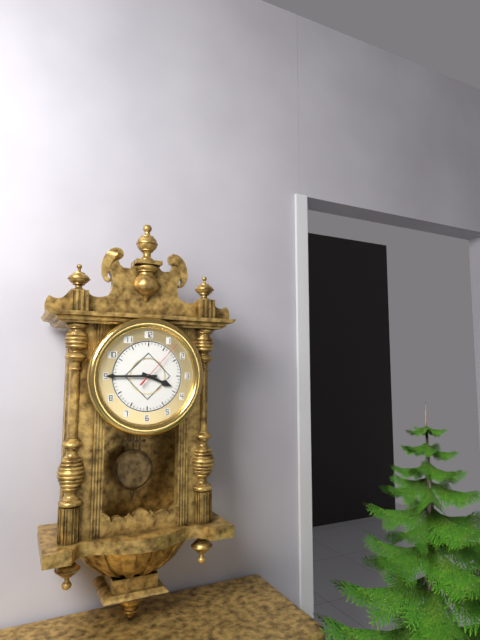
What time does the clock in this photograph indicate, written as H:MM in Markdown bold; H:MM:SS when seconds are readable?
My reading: **3:45:07**
